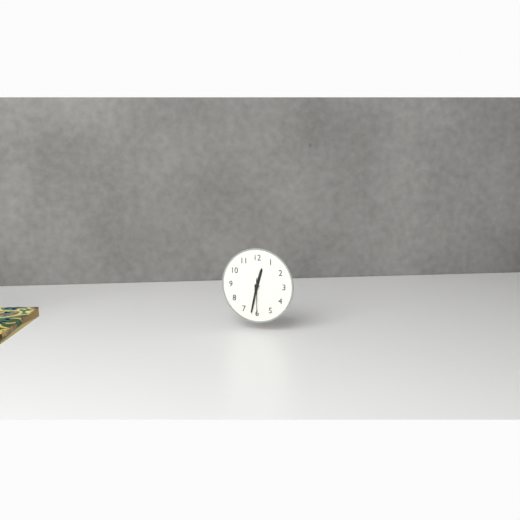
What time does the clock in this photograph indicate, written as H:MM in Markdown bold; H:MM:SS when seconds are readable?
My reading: **12:32**
